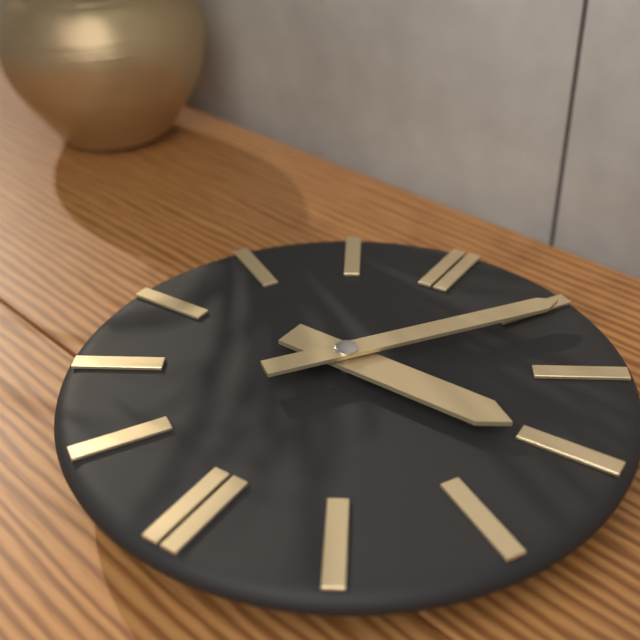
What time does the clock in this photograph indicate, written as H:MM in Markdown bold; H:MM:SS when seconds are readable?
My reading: **3:06**
